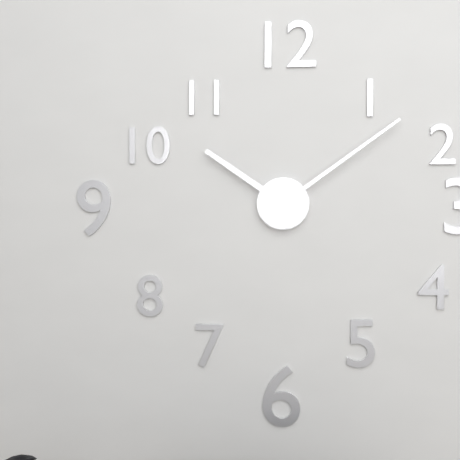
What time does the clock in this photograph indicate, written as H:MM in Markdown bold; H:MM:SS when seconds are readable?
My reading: **10:09**
